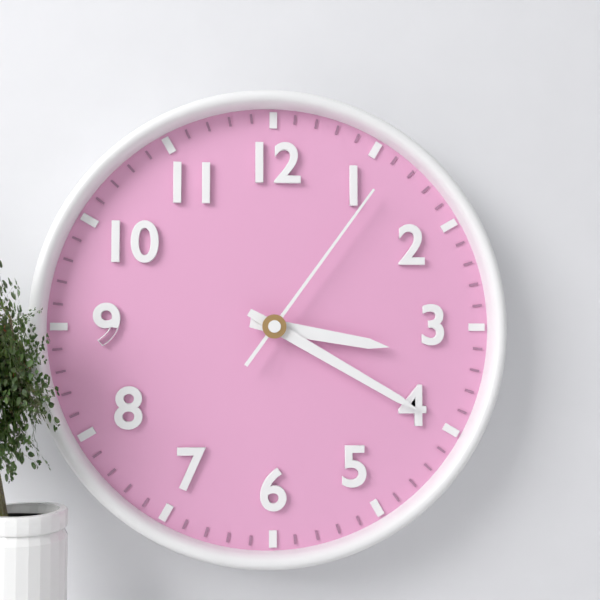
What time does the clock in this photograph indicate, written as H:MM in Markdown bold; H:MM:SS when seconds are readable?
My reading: **3:20:06**
